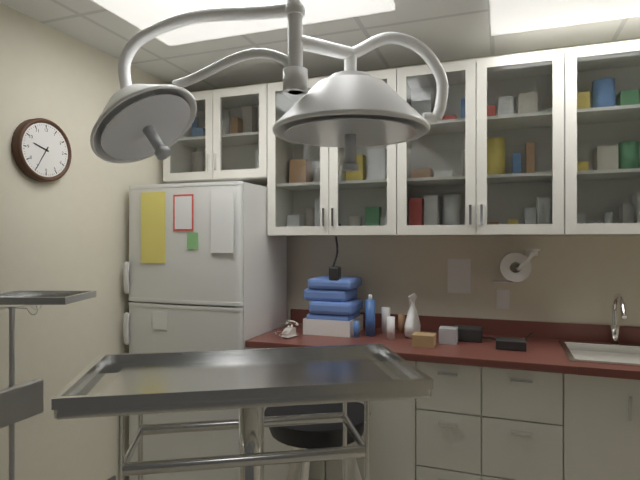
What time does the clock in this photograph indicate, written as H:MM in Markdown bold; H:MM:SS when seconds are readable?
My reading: **9:35**
